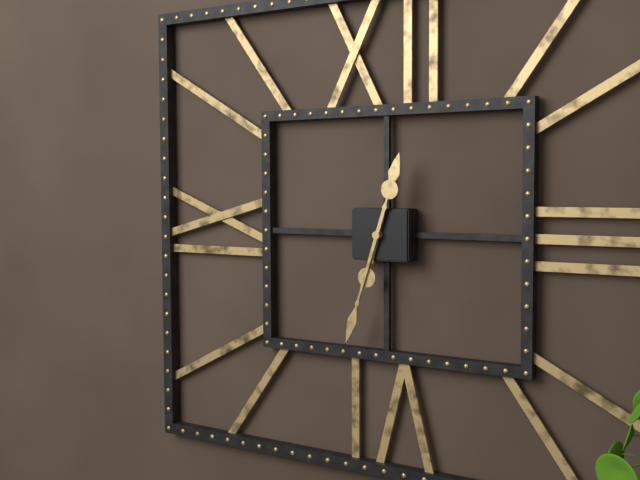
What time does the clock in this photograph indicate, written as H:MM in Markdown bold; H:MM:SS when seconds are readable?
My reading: **12:33**
